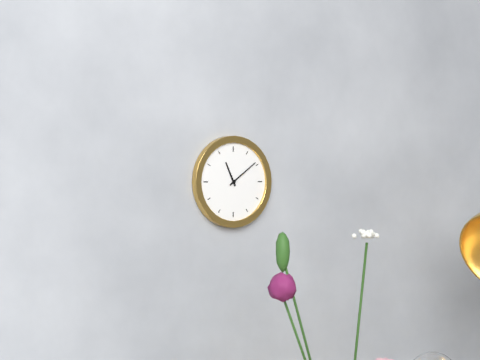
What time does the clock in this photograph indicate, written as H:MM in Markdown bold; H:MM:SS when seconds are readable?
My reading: **11:09**
